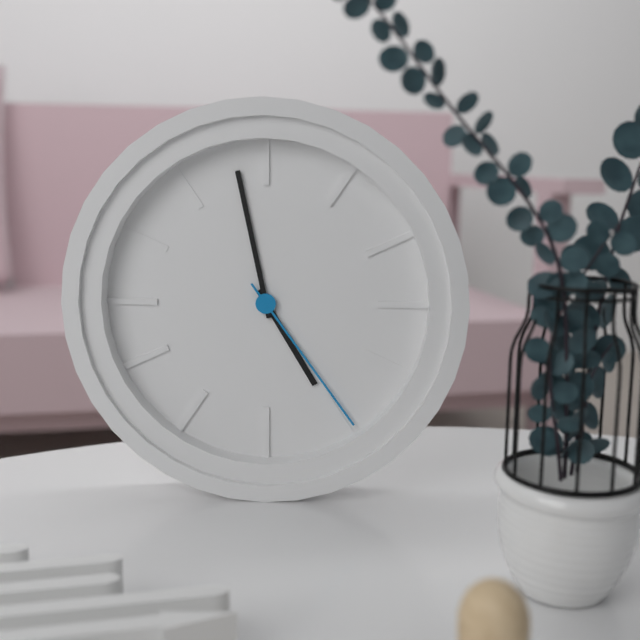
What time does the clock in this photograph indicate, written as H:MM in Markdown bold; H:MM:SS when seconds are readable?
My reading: **4:58:24**
